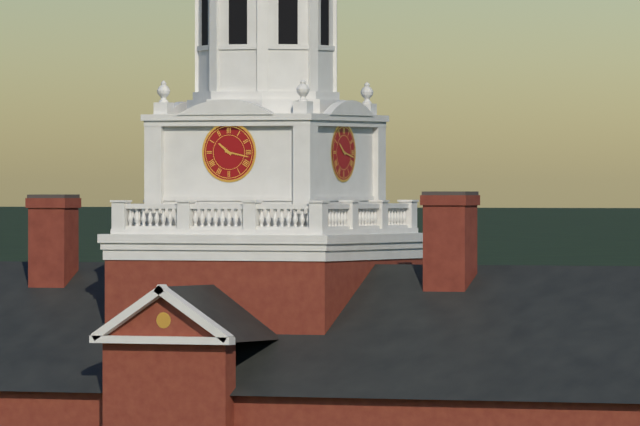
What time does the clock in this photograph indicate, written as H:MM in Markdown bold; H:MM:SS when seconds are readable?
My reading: **10:17**
